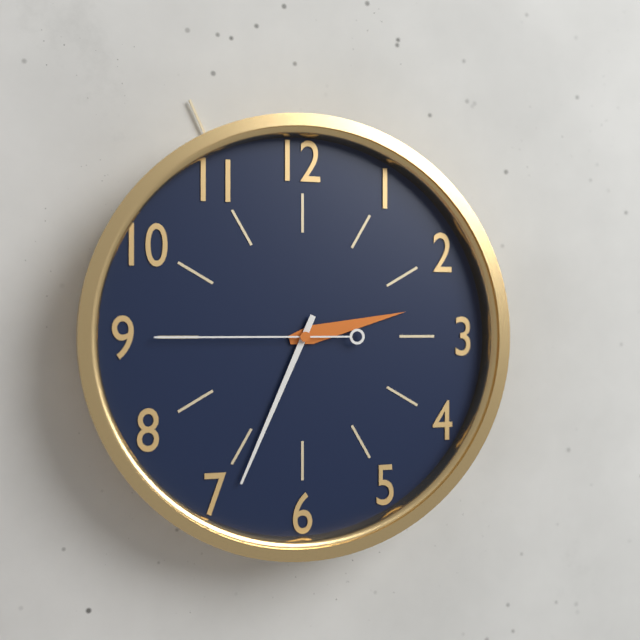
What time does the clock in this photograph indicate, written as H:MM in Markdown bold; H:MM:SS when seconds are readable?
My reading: **2:34:45**
